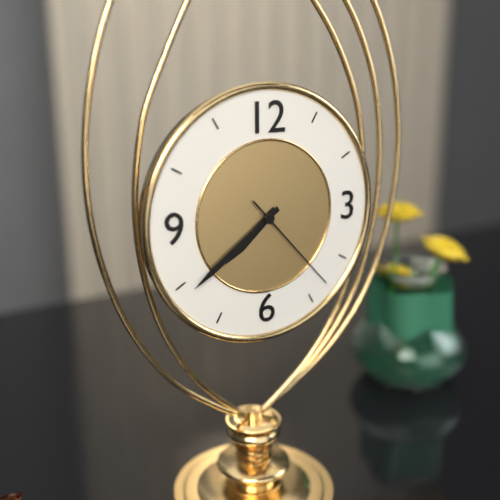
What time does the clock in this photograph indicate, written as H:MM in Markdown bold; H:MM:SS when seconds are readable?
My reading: **7:39:23**
